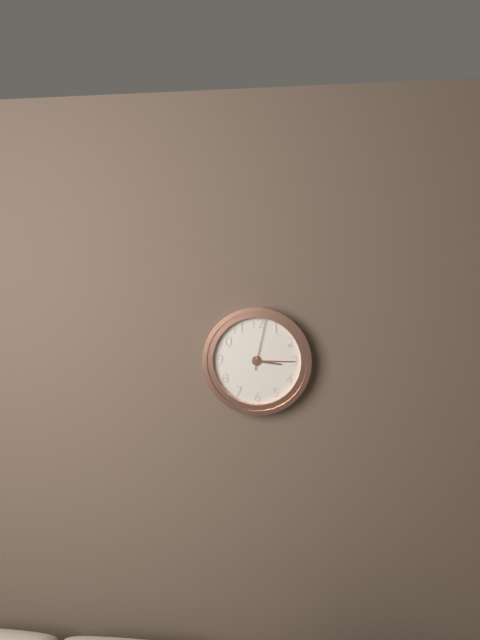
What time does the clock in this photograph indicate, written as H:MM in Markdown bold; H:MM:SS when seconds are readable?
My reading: **3:15:02**
